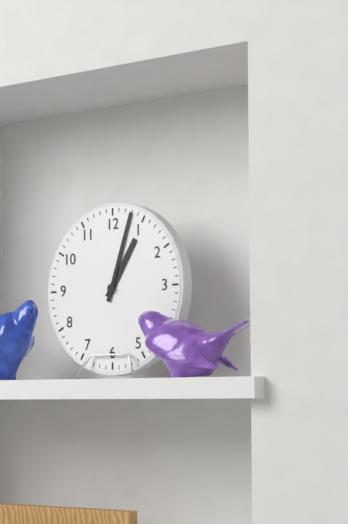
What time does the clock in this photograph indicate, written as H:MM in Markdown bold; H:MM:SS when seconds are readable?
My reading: **1:03**
